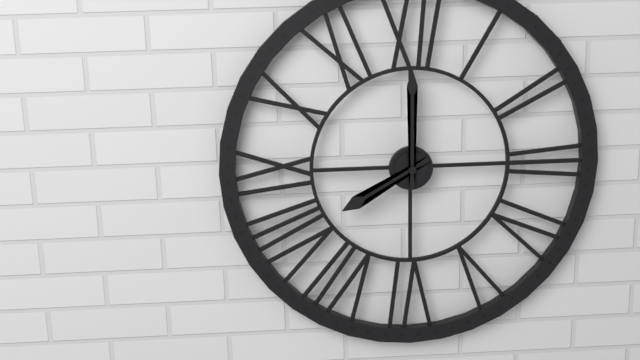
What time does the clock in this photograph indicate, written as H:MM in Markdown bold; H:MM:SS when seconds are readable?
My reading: **8:00**
